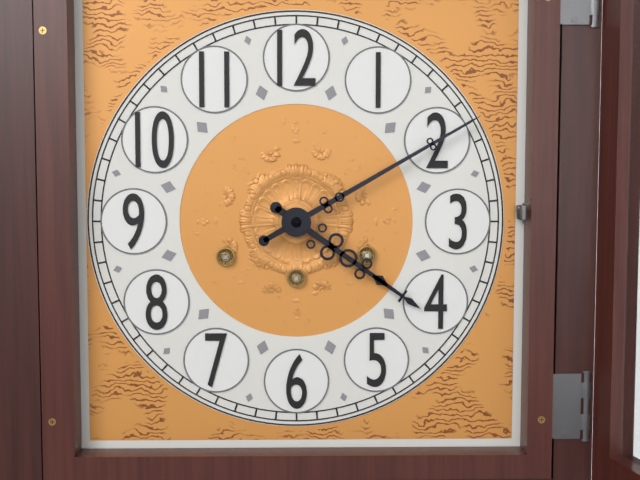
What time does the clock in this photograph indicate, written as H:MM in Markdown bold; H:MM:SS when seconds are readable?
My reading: **4:10**
